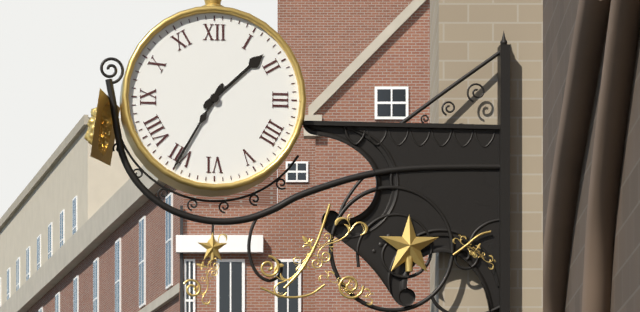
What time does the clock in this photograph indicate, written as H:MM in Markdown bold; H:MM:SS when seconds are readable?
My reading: **1:35**
